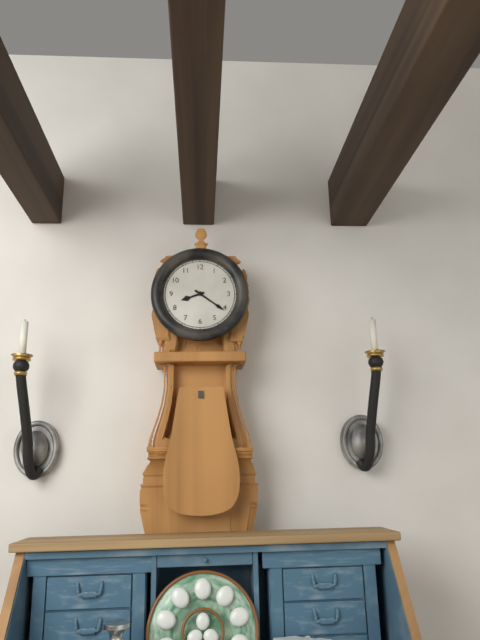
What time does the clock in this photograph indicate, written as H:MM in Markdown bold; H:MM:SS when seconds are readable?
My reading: **8:21**
